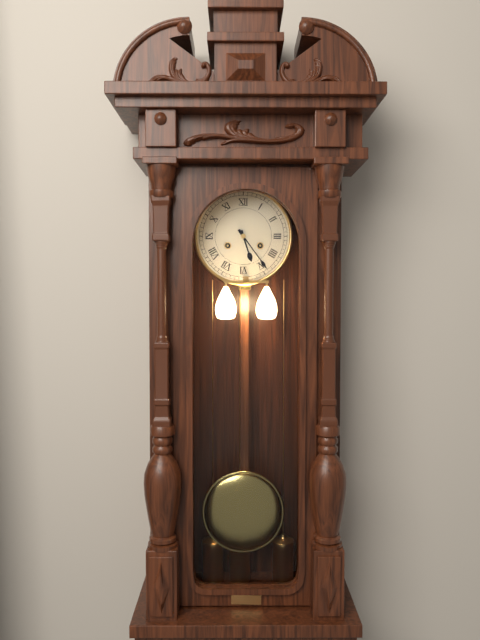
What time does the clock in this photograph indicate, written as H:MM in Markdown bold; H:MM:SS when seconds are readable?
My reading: **5:24**
